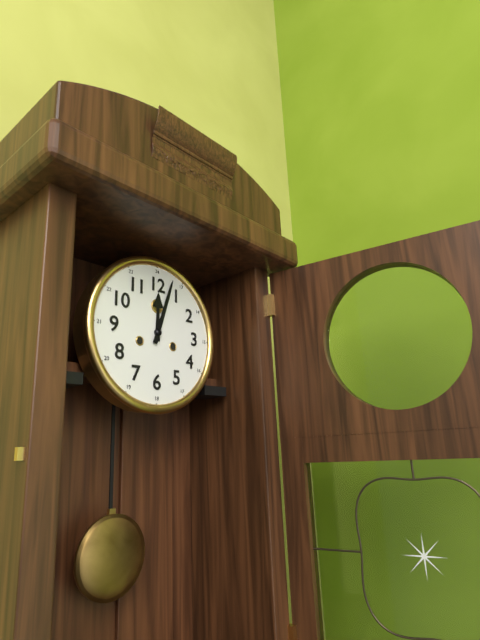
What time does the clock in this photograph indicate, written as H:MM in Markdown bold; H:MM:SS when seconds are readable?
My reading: **12:03**
